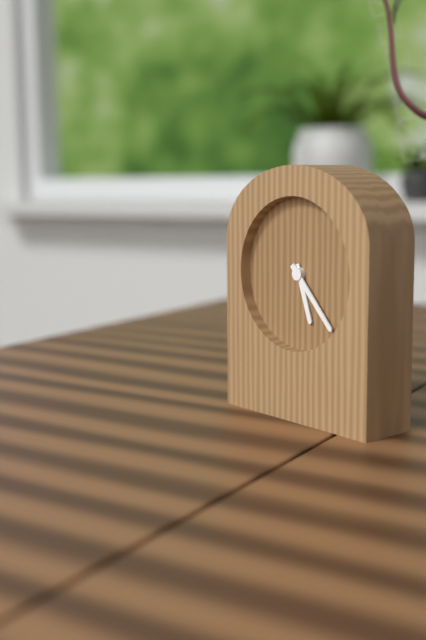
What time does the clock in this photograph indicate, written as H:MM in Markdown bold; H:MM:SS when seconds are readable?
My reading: **5:23**
